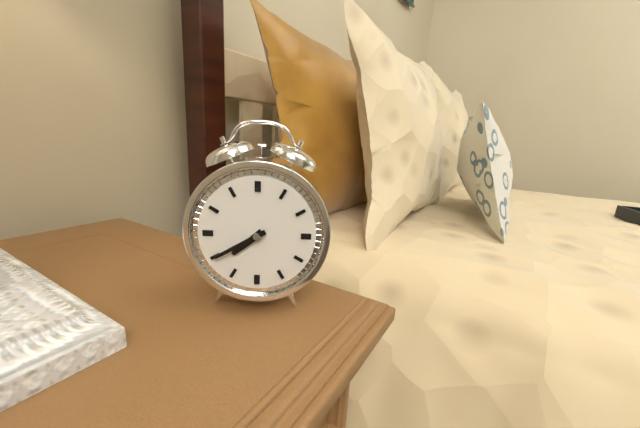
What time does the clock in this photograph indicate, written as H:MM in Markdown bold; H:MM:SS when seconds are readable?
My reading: **7:40**
